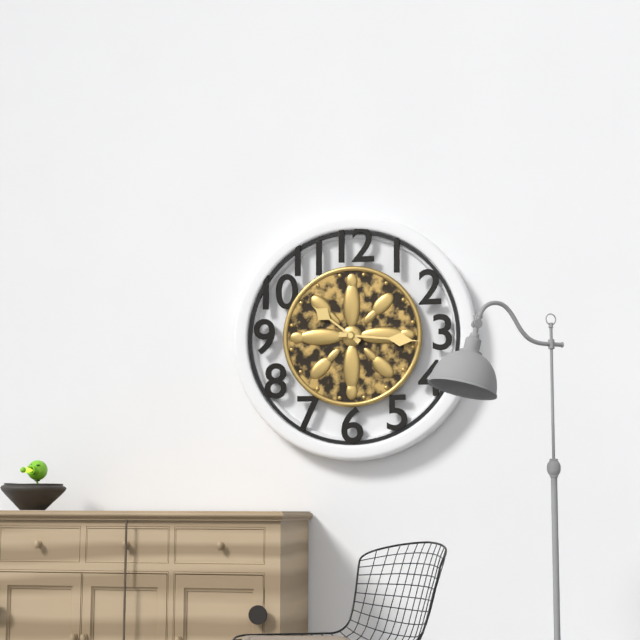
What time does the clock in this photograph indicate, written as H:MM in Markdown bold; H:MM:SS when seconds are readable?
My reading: **10:16**
